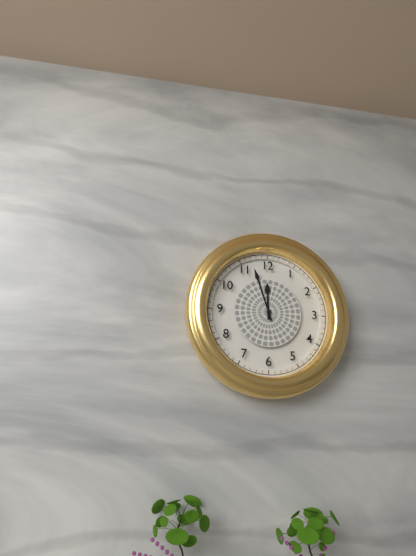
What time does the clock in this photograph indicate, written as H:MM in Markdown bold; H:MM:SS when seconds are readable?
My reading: **11:57**
